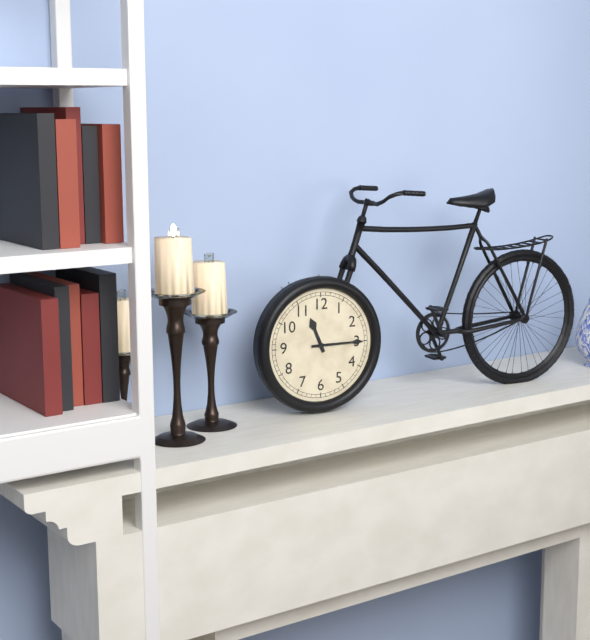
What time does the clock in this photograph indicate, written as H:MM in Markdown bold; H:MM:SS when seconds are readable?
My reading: **11:15**
